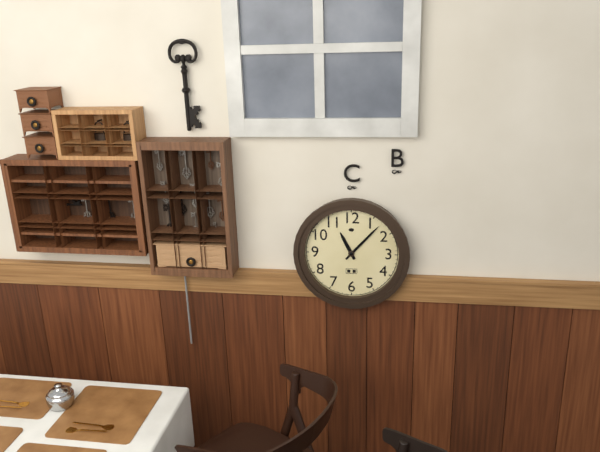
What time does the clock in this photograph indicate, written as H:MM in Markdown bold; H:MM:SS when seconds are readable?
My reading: **11:07**
